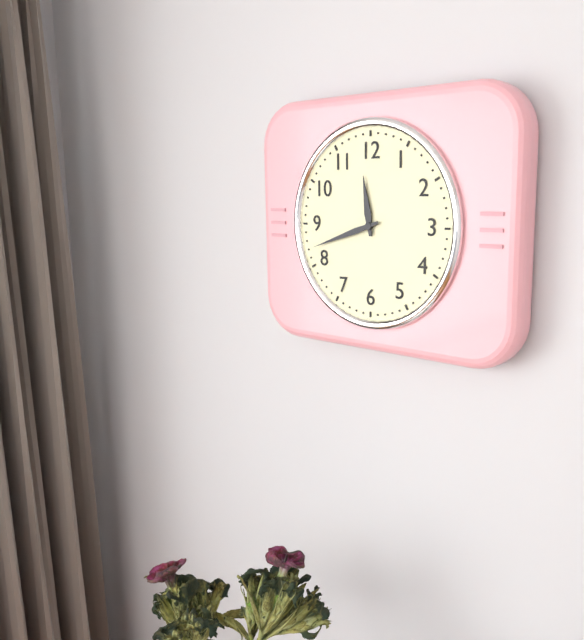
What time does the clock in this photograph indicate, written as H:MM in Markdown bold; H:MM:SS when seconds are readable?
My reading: **11:42**
